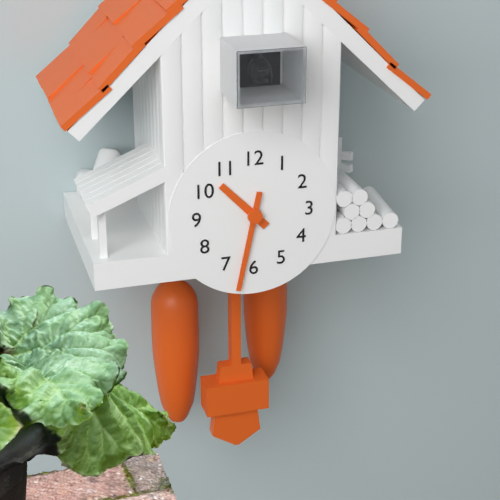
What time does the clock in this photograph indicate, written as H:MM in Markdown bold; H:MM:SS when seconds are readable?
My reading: **10:32**
